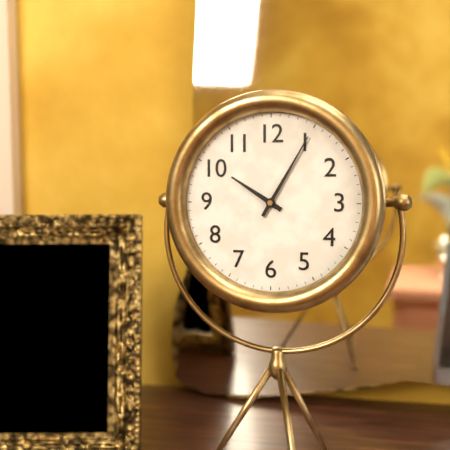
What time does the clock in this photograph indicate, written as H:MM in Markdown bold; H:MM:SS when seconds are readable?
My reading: **10:05**
